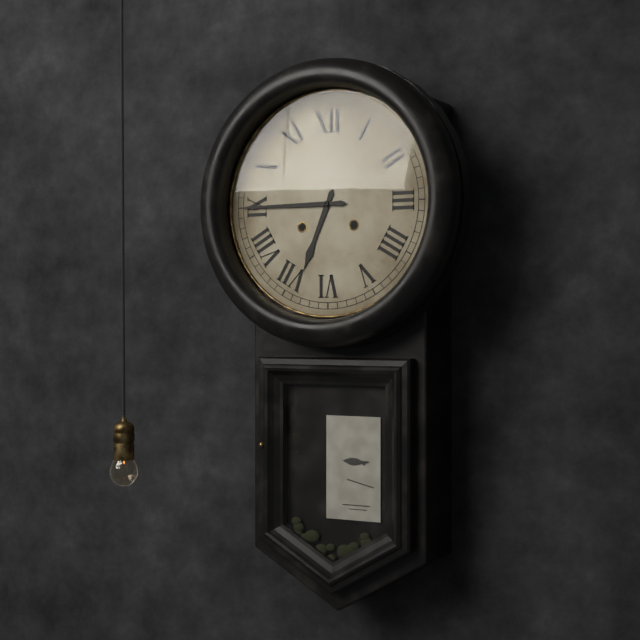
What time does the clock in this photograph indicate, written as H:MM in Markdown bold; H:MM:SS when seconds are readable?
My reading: **6:45**
